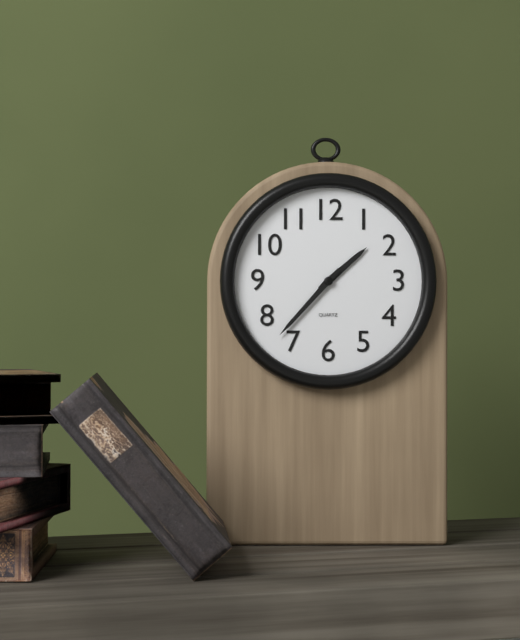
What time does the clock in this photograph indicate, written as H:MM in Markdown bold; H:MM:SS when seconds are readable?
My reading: **1:37**
